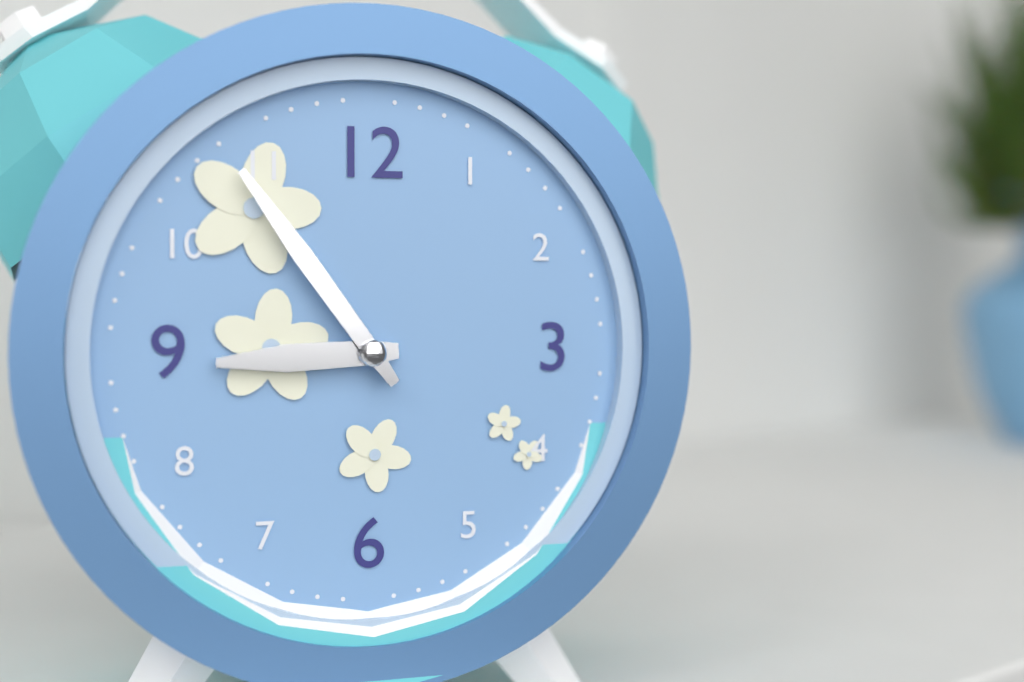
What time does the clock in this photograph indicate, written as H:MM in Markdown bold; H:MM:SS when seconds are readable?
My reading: **8:54**
